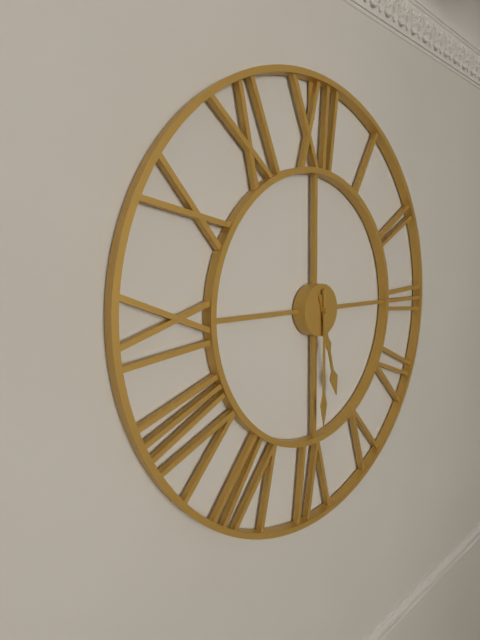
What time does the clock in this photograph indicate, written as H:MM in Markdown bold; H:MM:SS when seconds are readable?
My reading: **5:30**
